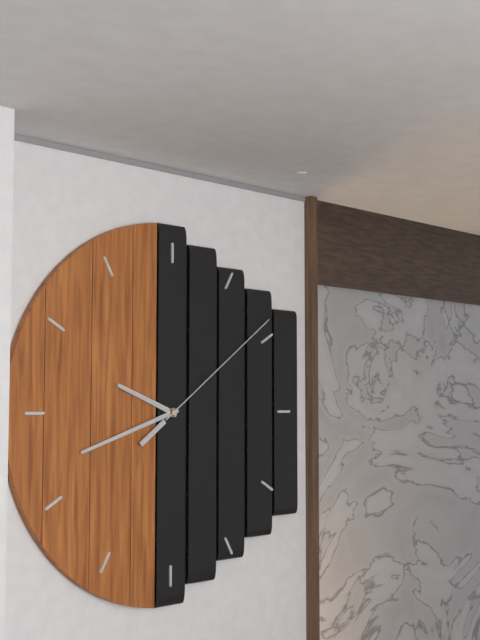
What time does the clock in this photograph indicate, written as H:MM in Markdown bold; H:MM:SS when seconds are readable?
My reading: **9:42:09**
